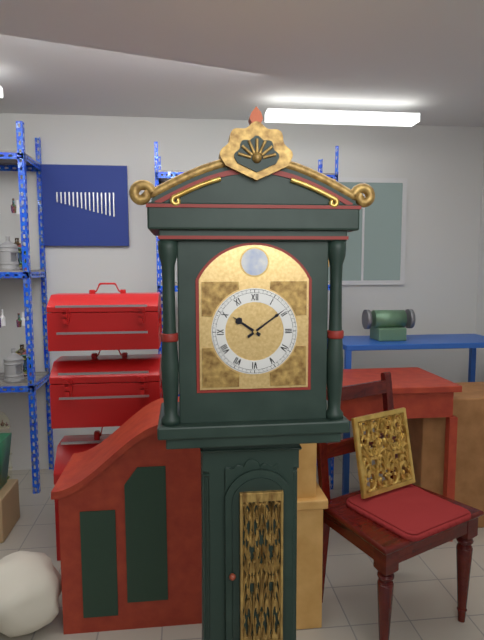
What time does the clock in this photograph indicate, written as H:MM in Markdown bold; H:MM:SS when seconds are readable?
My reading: **10:09**
